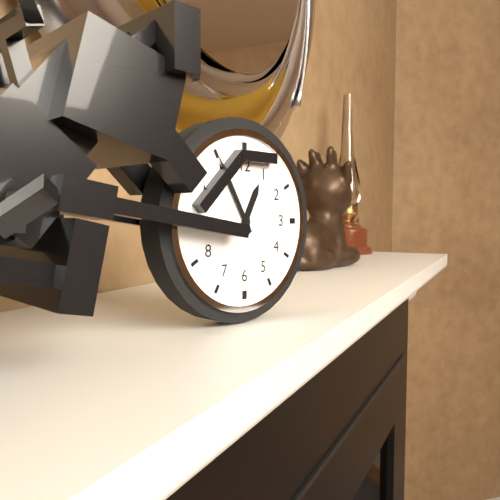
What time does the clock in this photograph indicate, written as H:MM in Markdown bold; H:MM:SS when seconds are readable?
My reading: **12:55**
